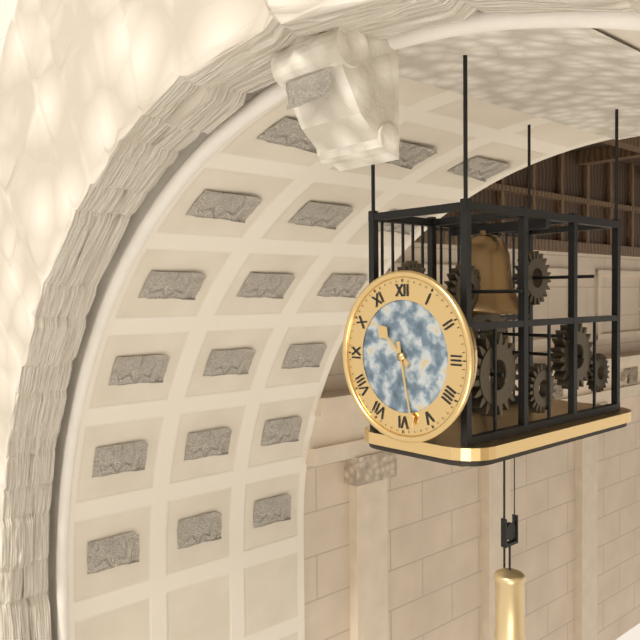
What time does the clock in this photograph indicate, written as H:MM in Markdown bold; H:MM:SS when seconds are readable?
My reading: **10:28**
